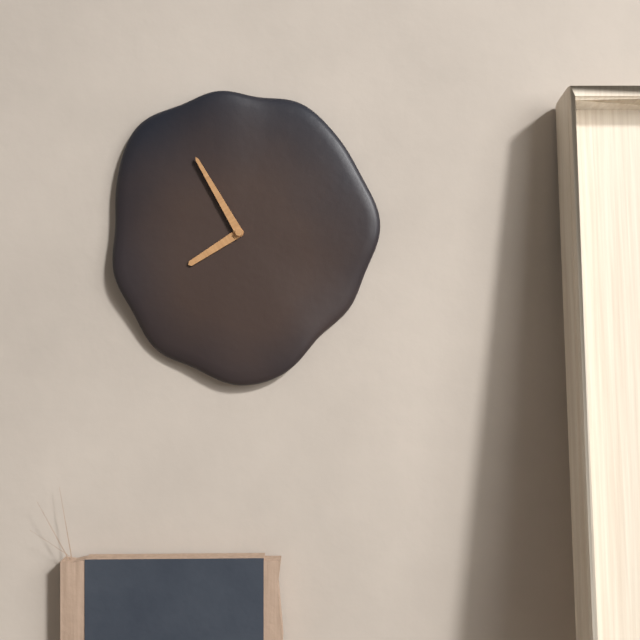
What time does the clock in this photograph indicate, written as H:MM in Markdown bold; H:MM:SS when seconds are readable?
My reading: **7:55**
